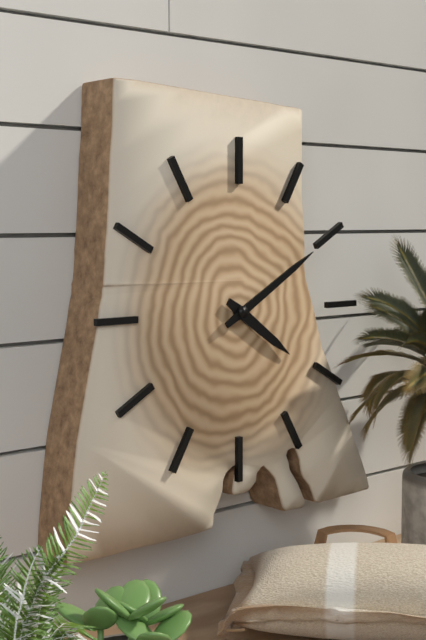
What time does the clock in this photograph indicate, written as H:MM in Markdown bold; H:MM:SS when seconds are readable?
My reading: **4:10**
